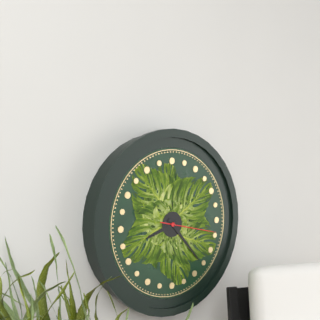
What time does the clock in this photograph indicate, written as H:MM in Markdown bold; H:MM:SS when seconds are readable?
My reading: **8:23:17**
